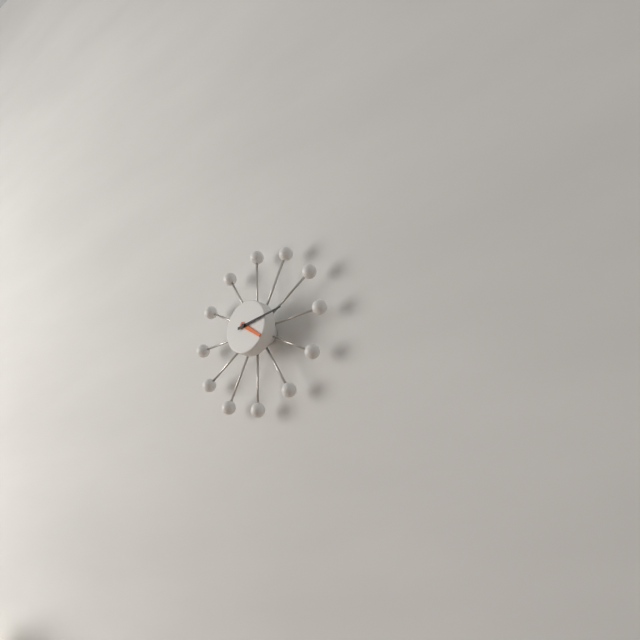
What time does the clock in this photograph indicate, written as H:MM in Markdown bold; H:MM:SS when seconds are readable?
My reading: **4:14**
